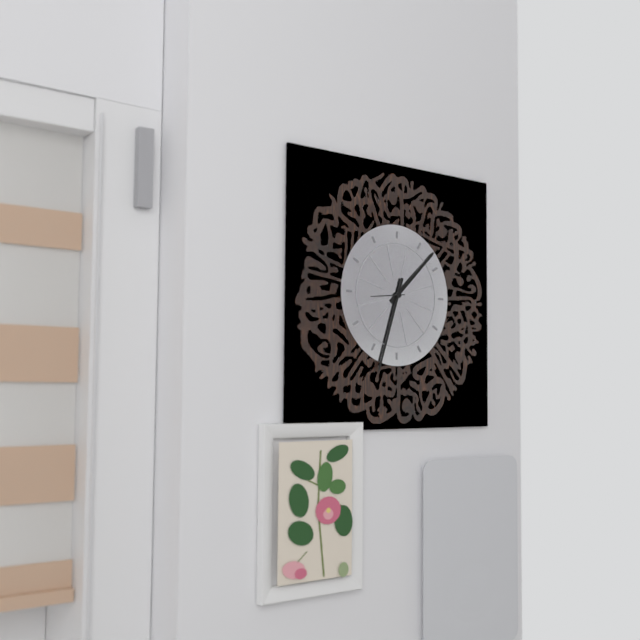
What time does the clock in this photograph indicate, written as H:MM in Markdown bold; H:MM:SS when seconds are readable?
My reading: **1:33**
